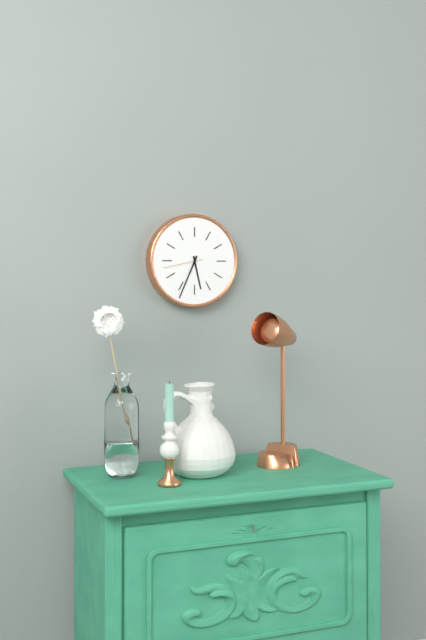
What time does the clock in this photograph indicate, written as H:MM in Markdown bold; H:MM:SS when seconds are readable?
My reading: **5:34**
